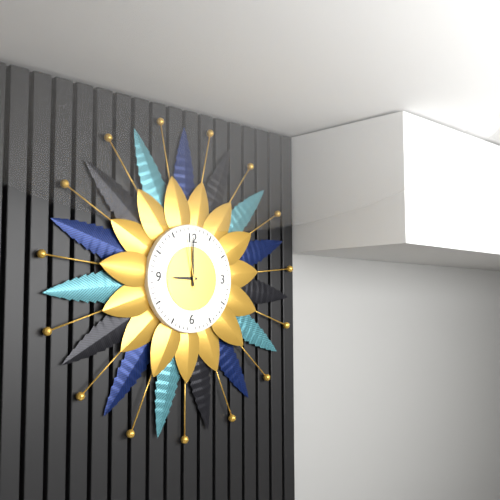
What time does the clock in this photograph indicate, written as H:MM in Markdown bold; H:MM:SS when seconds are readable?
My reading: **9:00:58**
